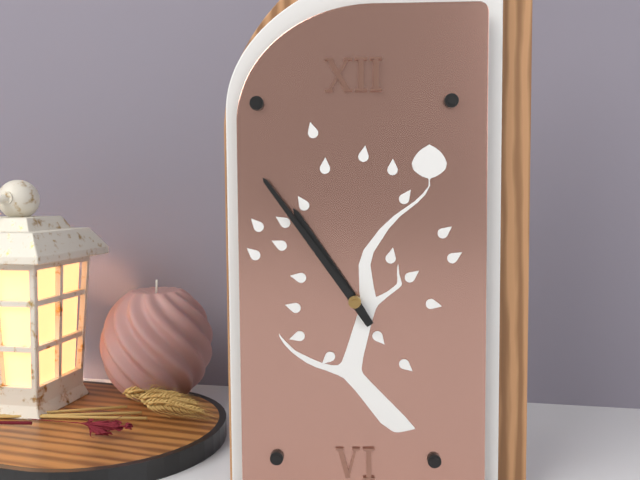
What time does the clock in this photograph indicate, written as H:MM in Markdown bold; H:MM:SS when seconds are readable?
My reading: **10:54**
